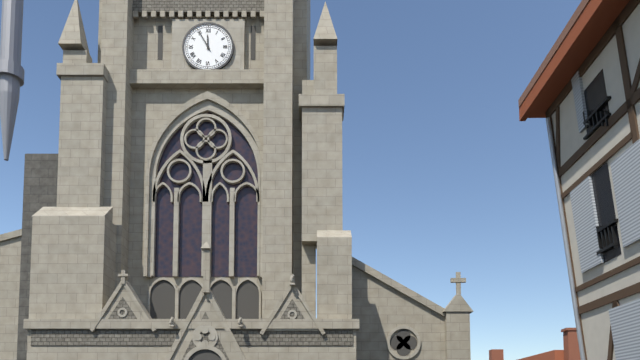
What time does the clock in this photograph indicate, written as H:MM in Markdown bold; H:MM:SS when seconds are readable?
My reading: **11:55**
